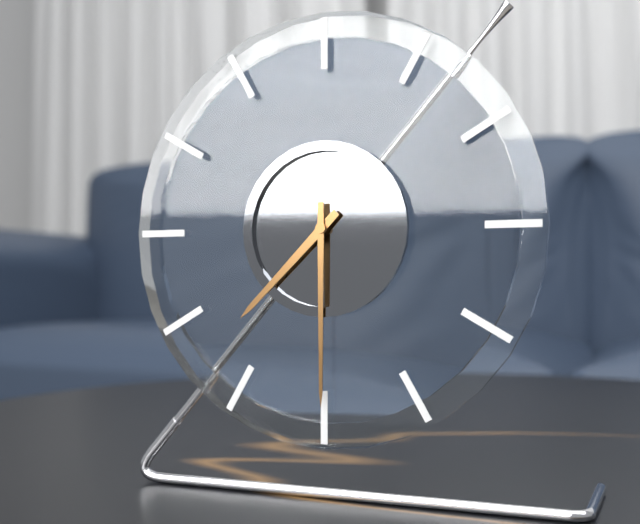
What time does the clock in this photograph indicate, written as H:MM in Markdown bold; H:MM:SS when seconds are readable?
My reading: **7:30**
